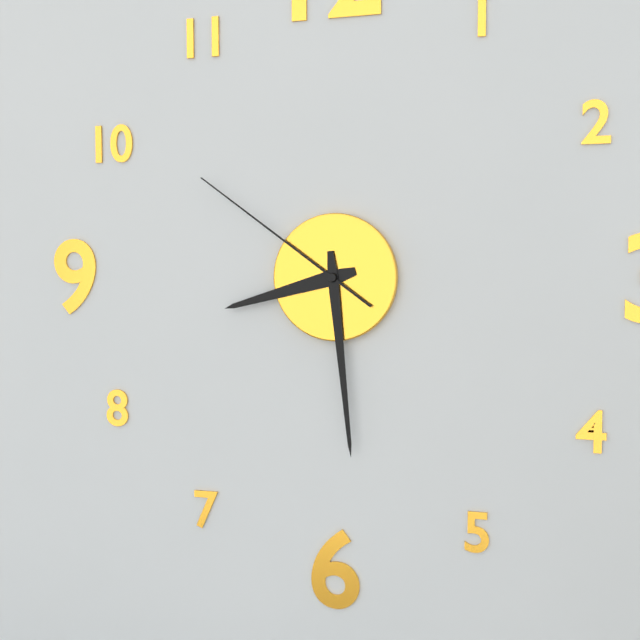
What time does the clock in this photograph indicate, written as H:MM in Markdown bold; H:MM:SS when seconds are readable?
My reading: **8:29:51**
